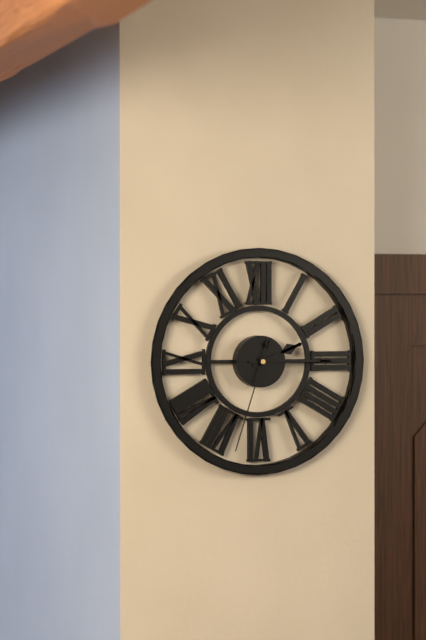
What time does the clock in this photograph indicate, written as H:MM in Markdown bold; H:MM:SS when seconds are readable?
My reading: **2:15:33**
